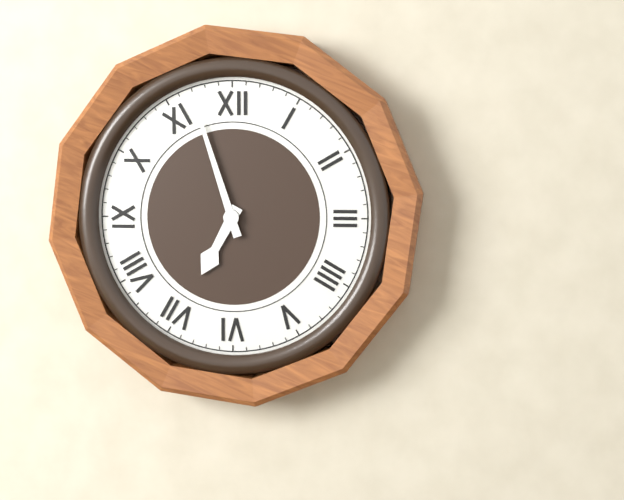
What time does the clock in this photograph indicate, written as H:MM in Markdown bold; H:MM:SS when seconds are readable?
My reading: **6:57**
